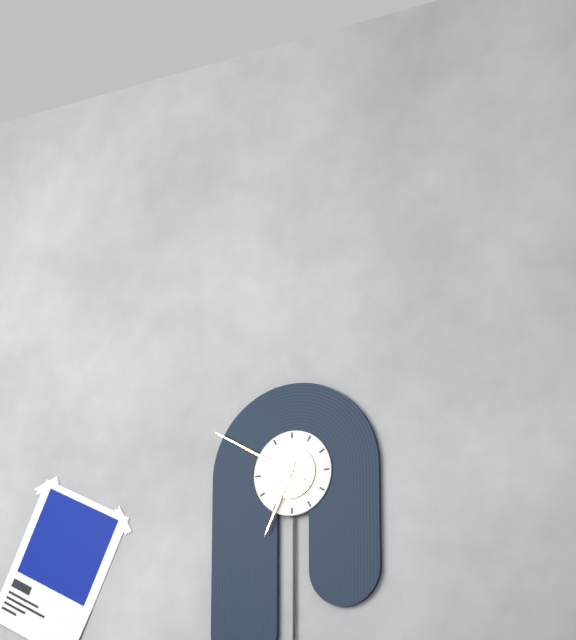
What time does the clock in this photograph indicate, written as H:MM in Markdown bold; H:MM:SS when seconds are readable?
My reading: **6:50**
